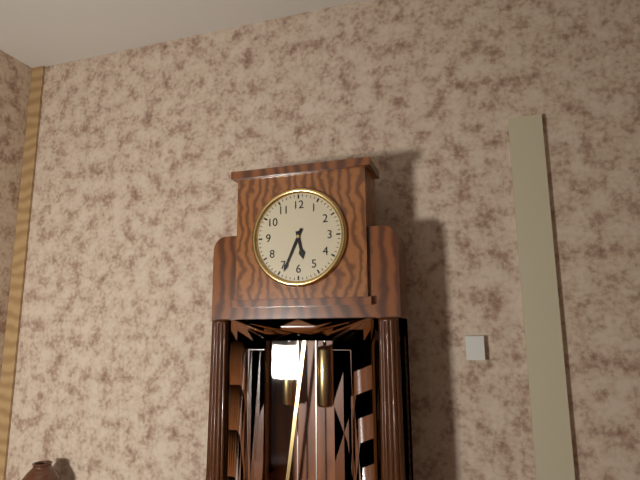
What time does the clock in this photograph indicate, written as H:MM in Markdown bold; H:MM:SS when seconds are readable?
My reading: **5:34**
